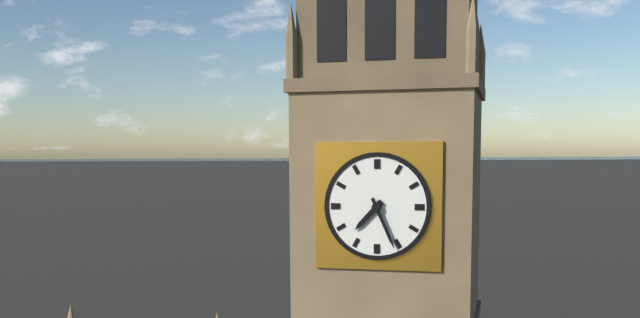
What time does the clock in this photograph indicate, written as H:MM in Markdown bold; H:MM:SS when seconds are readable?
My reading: **7:26**
